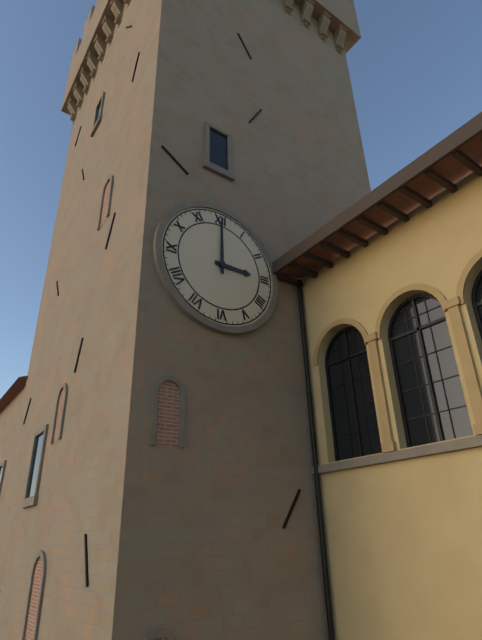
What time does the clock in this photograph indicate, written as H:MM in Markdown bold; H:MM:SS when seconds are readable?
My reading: **3:00**
